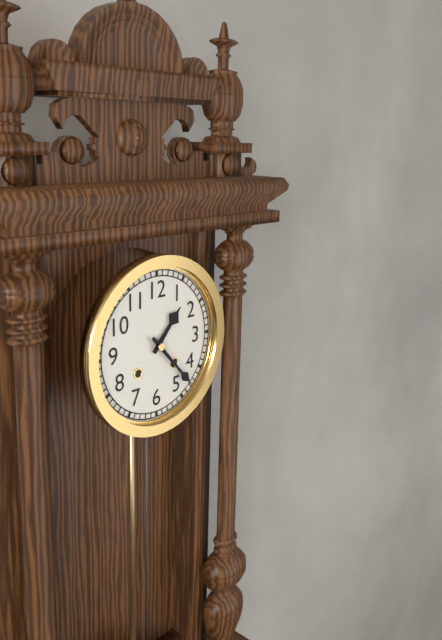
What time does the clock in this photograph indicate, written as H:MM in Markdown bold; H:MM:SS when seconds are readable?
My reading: **1:23**
